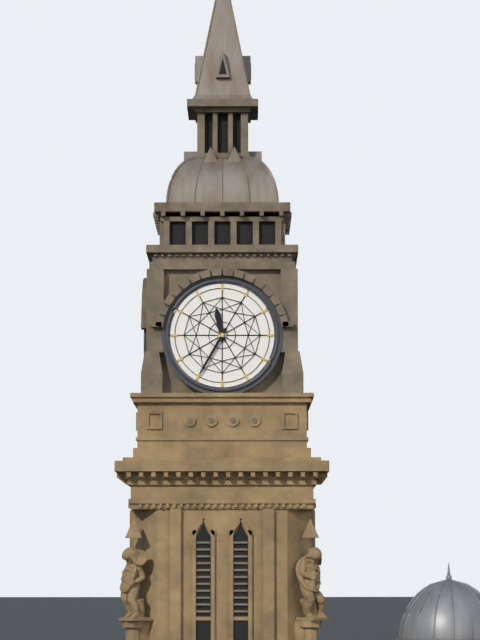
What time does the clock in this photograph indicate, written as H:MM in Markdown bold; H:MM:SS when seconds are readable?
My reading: **11:35**
